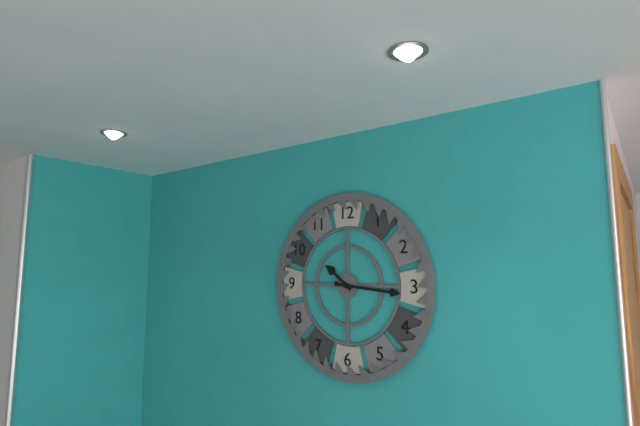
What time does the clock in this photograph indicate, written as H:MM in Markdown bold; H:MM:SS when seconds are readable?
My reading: **10:16**
